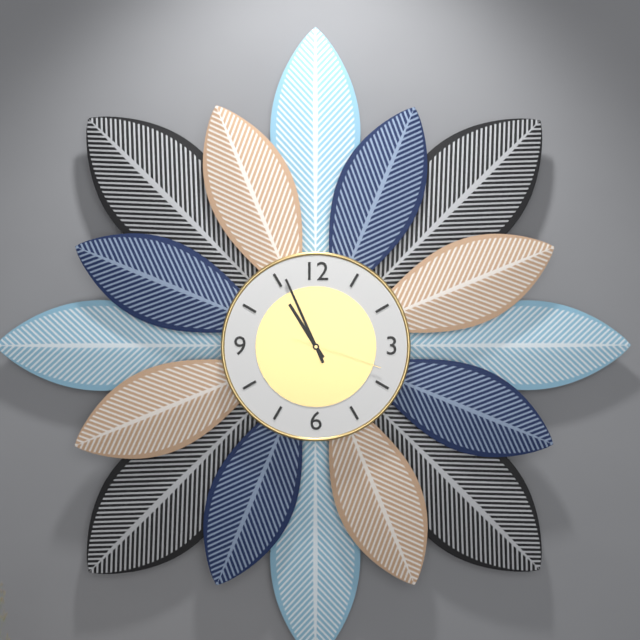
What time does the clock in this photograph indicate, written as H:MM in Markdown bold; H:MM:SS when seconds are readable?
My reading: **10:56:18**
